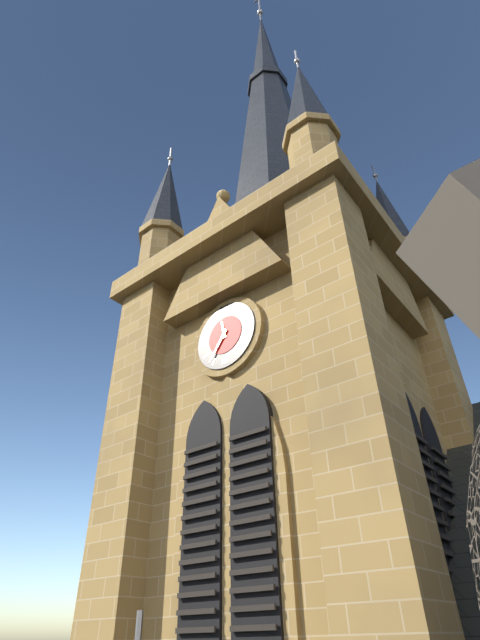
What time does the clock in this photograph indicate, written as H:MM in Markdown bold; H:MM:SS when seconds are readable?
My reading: **11:36**
